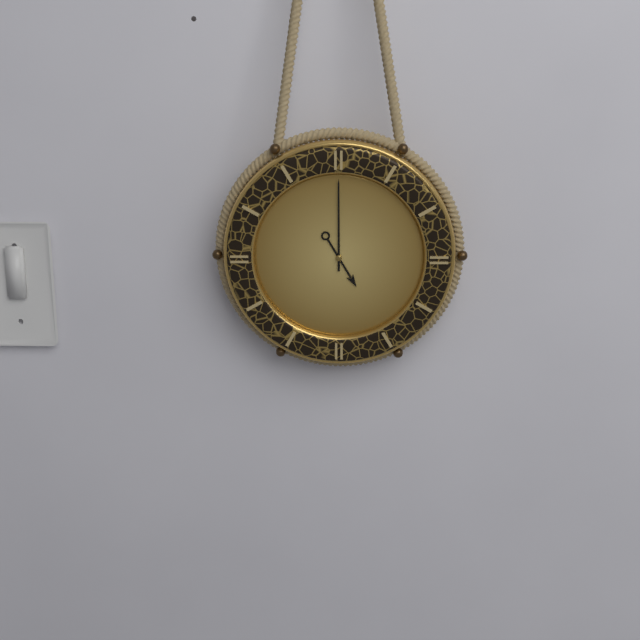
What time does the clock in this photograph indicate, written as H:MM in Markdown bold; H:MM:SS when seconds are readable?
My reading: **5:00**
